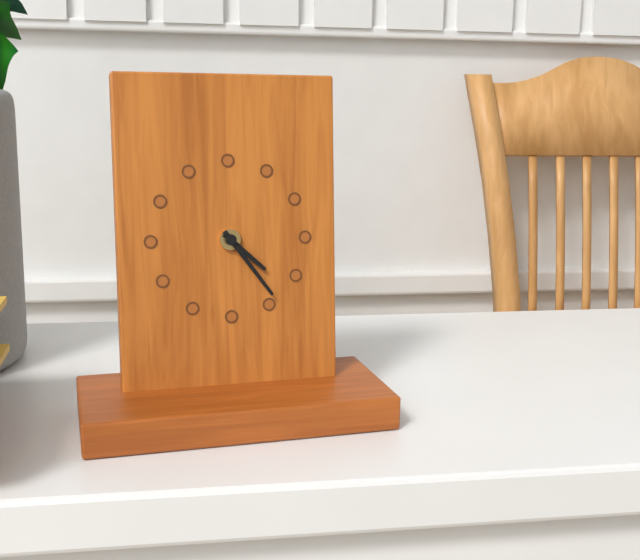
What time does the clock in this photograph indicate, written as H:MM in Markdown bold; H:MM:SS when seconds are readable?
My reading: **4:24**
